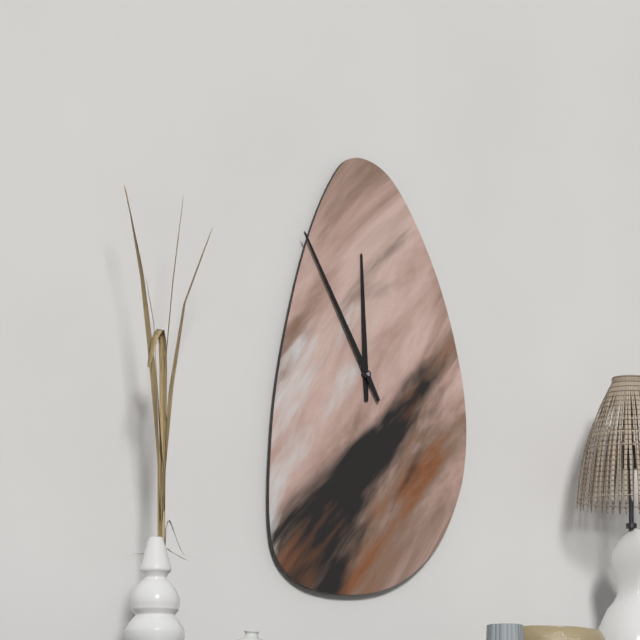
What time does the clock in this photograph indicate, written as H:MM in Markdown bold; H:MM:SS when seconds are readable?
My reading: **11:55**
